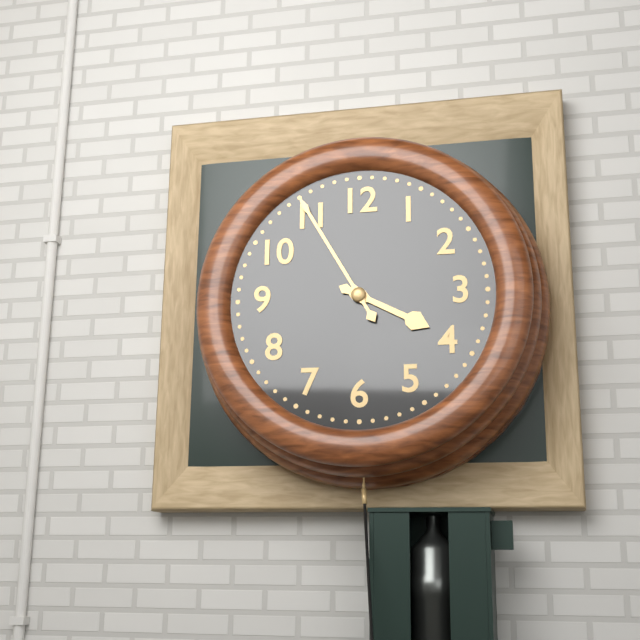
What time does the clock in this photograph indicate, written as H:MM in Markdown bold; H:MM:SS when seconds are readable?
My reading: **3:55**
